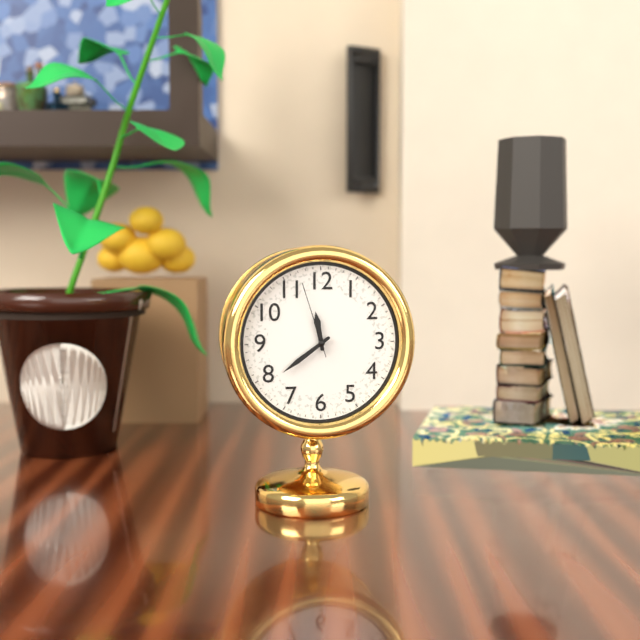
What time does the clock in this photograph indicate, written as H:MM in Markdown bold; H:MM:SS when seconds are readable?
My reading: **11:39:57**
